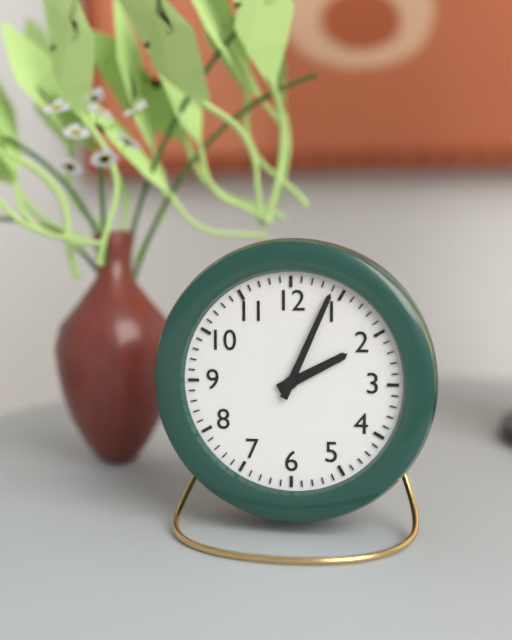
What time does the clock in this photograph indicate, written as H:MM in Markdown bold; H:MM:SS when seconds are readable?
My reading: **2:04**
